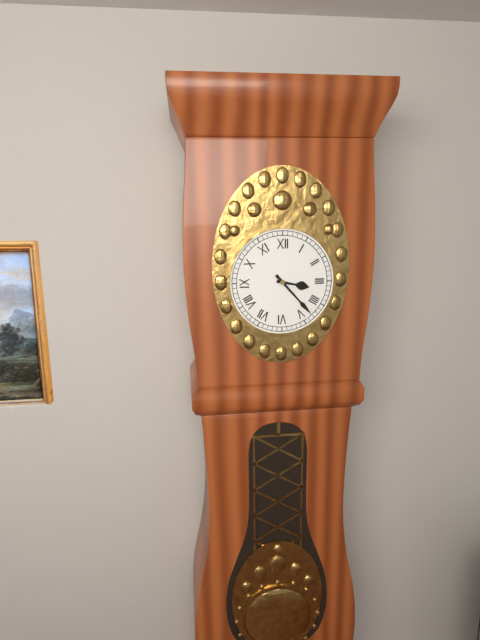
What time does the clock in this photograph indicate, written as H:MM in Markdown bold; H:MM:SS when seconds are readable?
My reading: **3:23**
